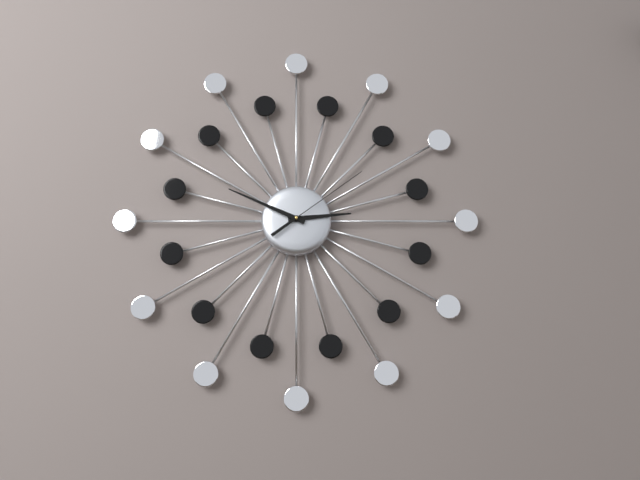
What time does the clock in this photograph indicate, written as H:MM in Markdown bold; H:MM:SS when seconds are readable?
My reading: **2:49:09**
